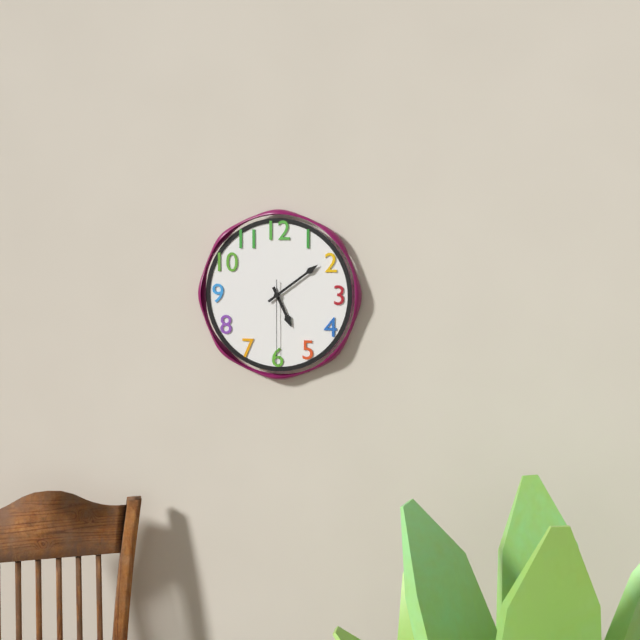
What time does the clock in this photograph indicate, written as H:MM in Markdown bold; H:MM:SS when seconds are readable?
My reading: **5:09:30**
